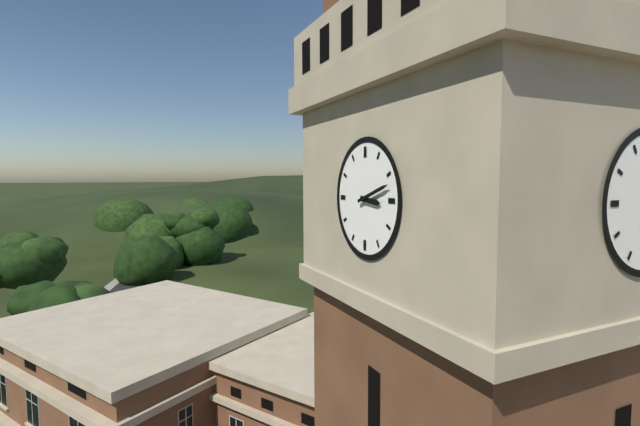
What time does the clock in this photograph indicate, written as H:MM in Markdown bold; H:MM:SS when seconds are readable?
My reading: **3:12**
